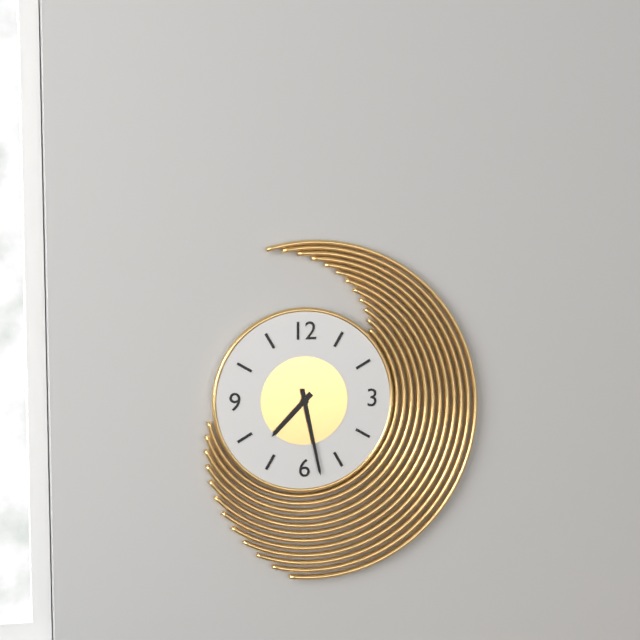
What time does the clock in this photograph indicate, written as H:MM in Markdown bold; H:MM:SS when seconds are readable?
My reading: **7:28**
